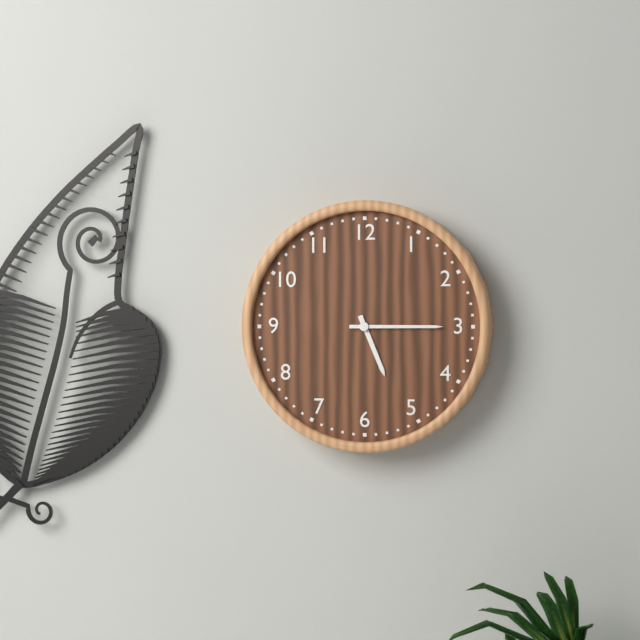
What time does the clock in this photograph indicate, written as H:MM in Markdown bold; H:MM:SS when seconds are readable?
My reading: **5:15**
